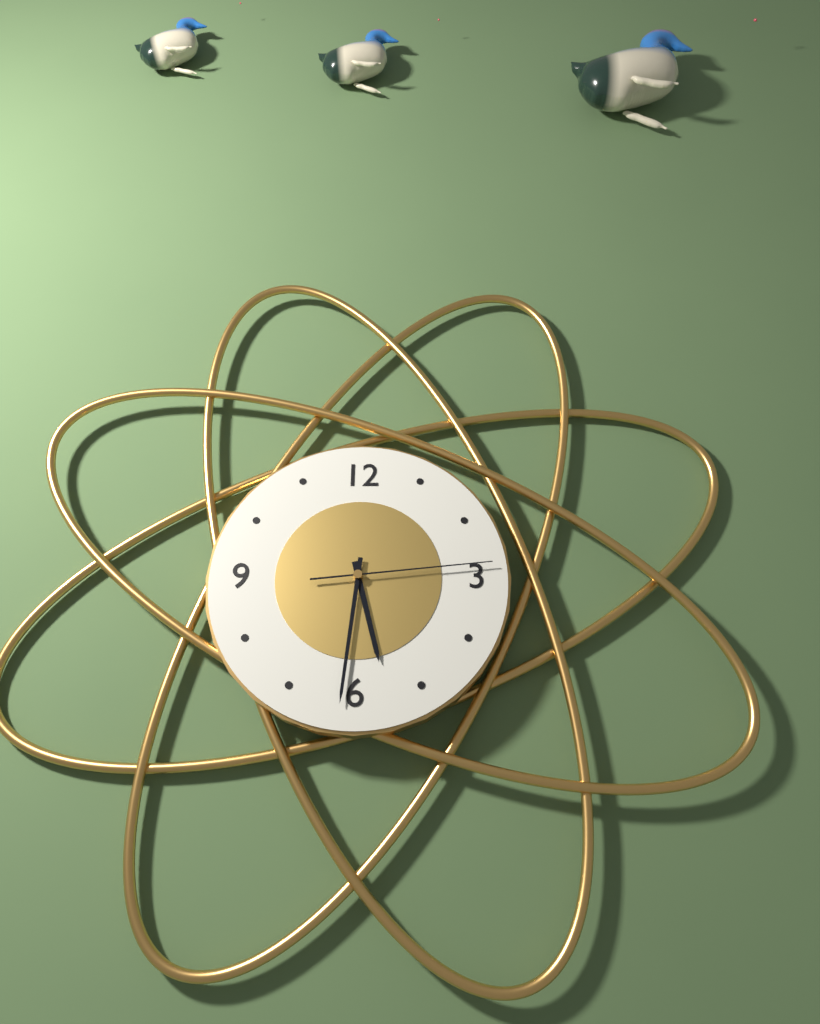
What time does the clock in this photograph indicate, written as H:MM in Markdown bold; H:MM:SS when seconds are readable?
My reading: **5:31:14**
